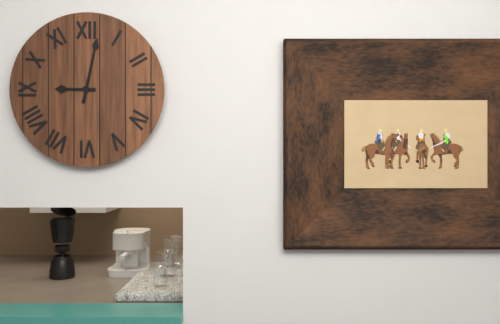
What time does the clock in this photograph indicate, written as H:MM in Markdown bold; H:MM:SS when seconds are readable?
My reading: **9:02**
